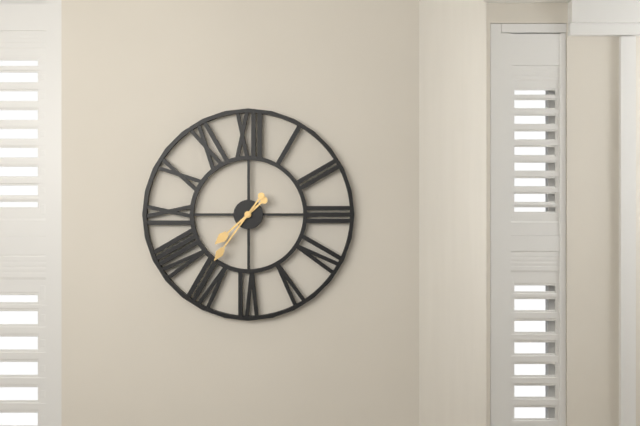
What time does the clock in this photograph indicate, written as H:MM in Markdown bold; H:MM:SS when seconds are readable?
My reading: **7:36**
